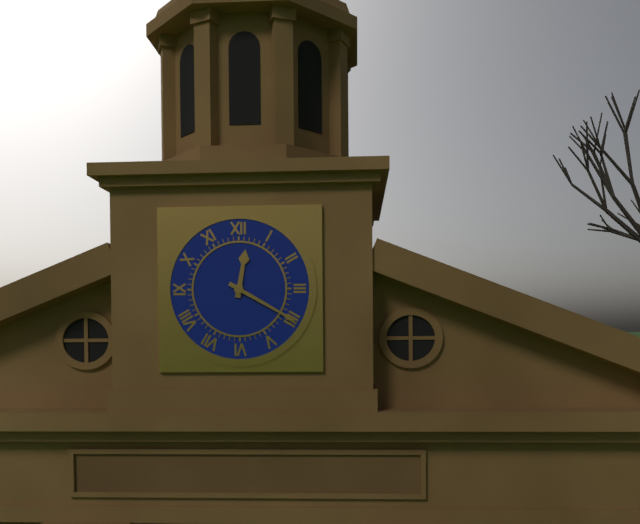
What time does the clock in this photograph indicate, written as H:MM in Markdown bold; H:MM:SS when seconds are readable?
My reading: **12:20**
